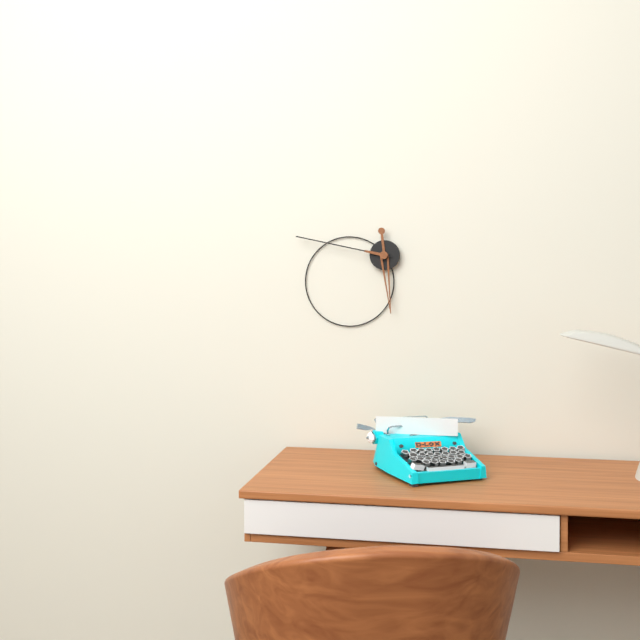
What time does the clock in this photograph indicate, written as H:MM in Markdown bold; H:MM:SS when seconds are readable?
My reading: **5:47**
